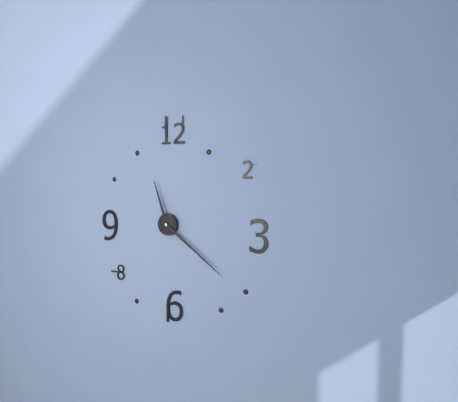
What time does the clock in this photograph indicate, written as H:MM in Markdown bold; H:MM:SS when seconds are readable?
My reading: **11:21**
